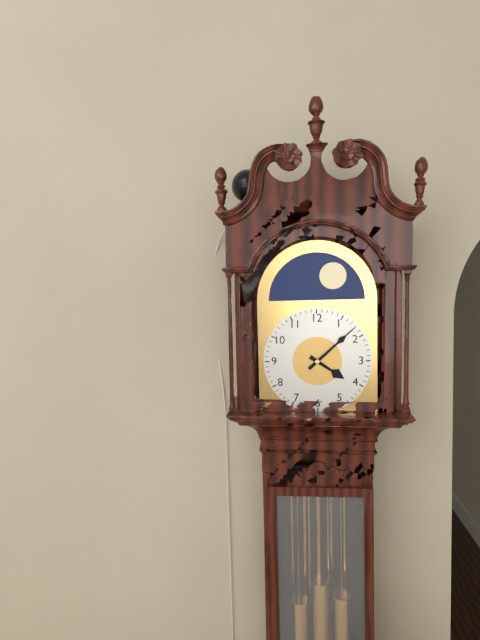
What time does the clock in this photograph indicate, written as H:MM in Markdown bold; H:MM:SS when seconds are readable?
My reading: **4:08**
